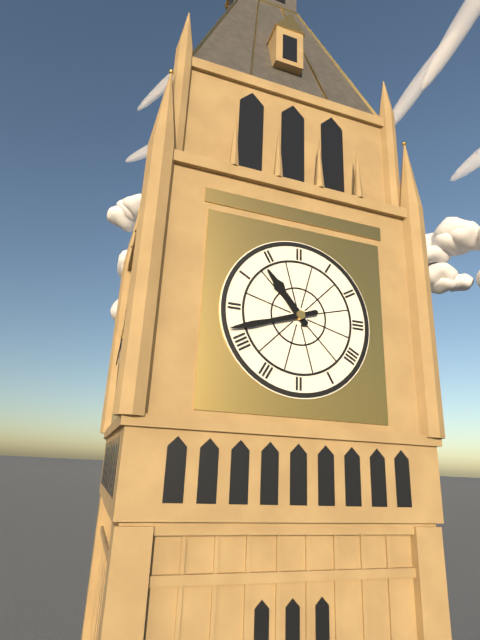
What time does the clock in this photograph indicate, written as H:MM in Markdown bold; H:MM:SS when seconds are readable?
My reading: **10:42**
